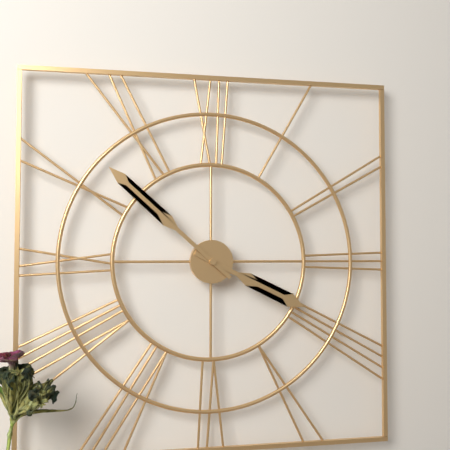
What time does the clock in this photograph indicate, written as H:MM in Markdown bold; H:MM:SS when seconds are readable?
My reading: **3:52**
